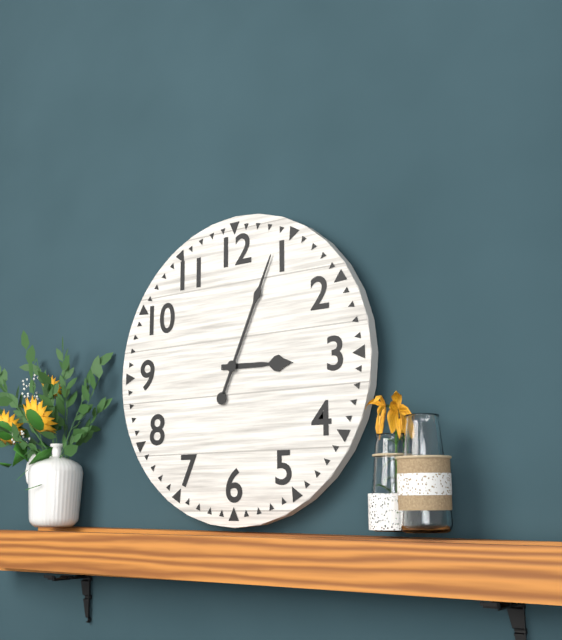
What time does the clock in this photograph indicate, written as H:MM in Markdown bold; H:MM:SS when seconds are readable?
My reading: **3:04**
